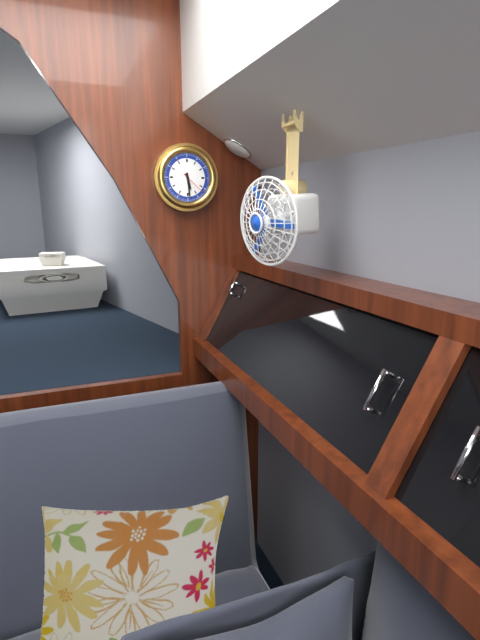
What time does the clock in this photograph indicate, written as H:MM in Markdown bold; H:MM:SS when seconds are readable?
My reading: **5:29**
